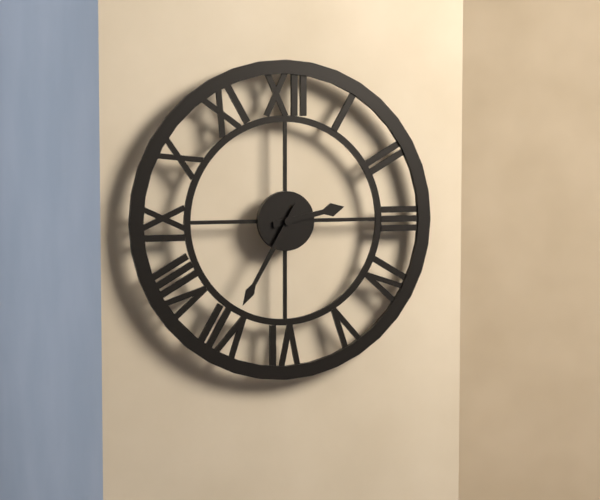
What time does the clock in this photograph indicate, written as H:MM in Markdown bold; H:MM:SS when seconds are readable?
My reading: **2:35**
